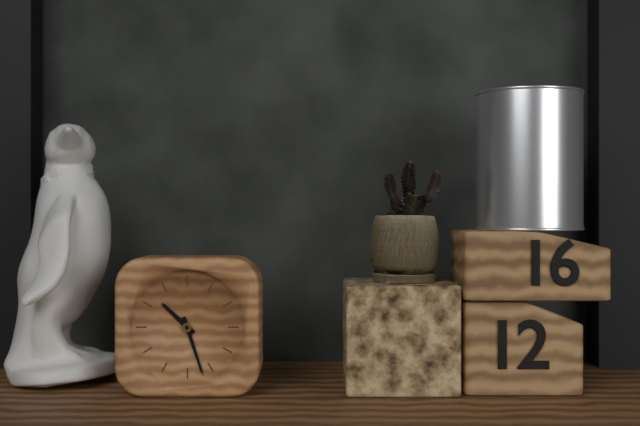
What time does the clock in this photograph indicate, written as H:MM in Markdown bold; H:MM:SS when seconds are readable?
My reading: **10:27**
